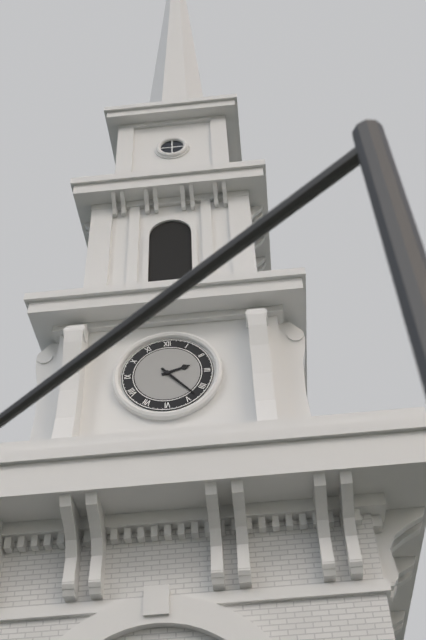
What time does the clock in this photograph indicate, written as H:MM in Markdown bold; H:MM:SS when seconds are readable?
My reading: **2:23**
